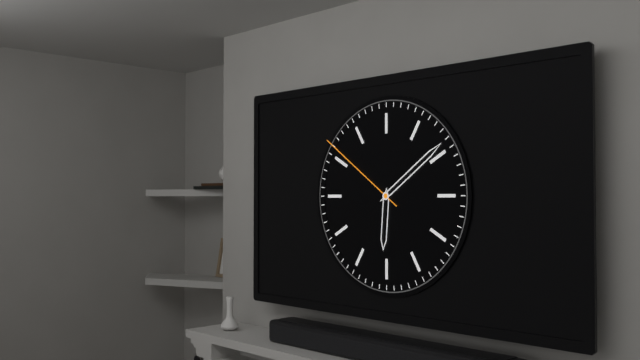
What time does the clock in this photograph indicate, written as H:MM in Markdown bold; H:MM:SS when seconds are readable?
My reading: **6:09:51**
